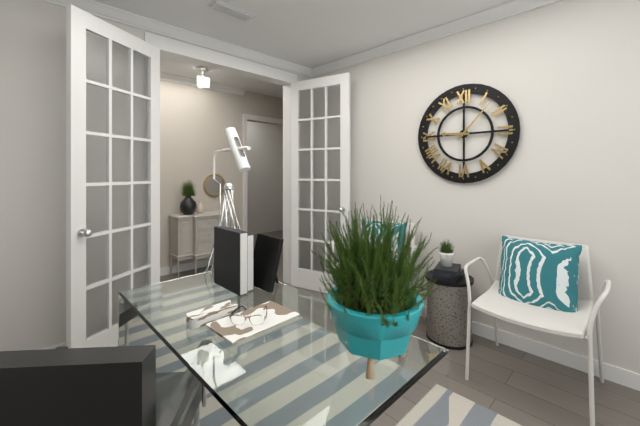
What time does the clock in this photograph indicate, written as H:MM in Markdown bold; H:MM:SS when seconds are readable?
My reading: **9:07**
